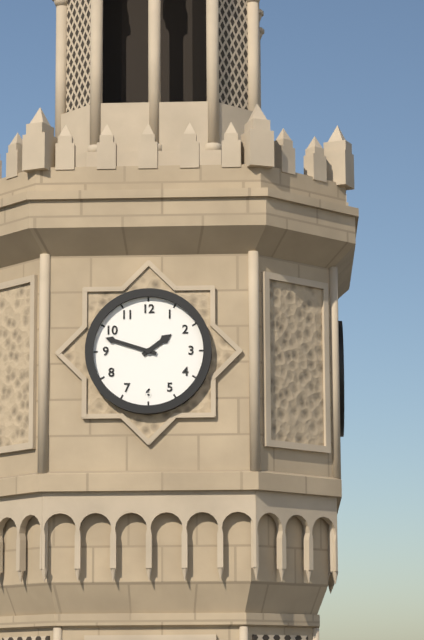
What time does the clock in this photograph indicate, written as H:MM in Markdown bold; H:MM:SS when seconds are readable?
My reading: **1:48**
